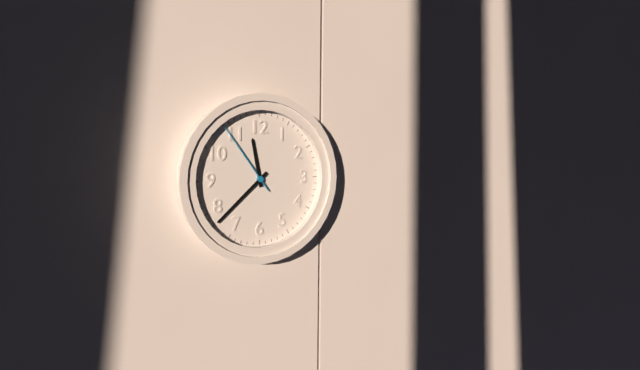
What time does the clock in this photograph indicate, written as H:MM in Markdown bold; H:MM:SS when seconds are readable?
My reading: **11:38:54**
